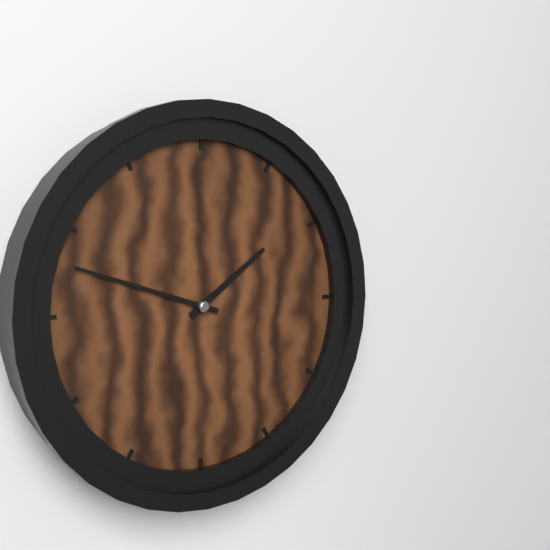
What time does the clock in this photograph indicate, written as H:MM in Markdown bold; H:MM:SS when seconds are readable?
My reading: **1:48**
